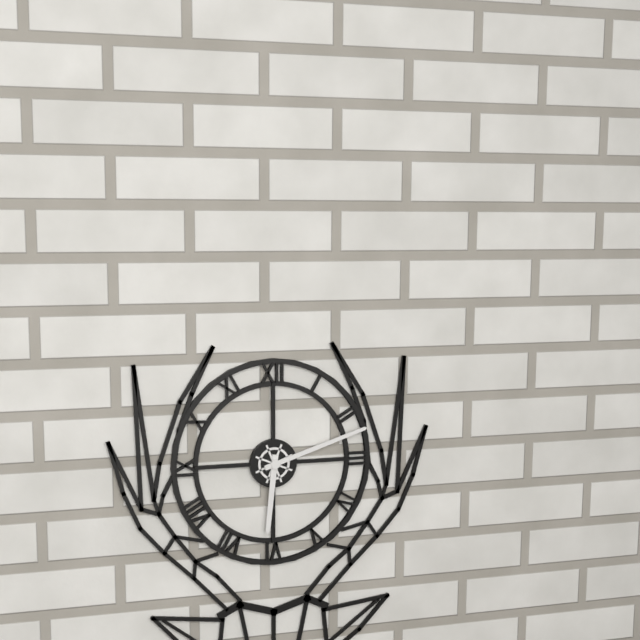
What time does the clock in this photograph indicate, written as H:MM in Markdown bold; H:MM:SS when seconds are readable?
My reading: **6:12**
